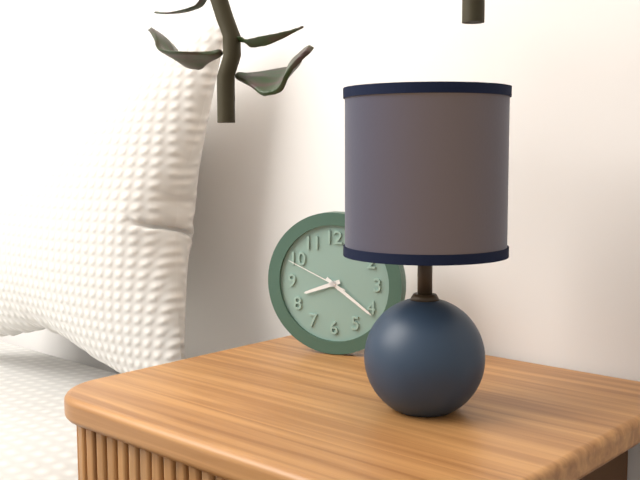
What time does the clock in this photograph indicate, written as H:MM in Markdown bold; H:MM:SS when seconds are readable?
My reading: **8:21:49**
